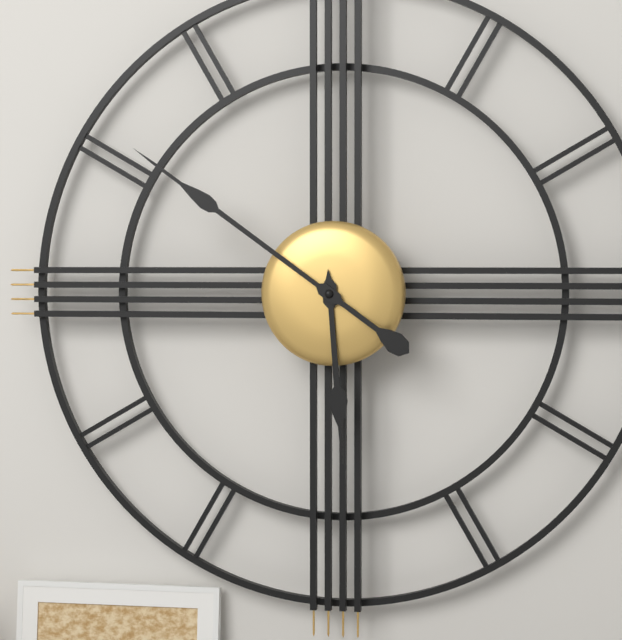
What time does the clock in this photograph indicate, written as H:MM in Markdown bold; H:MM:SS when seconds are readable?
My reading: **5:51**
